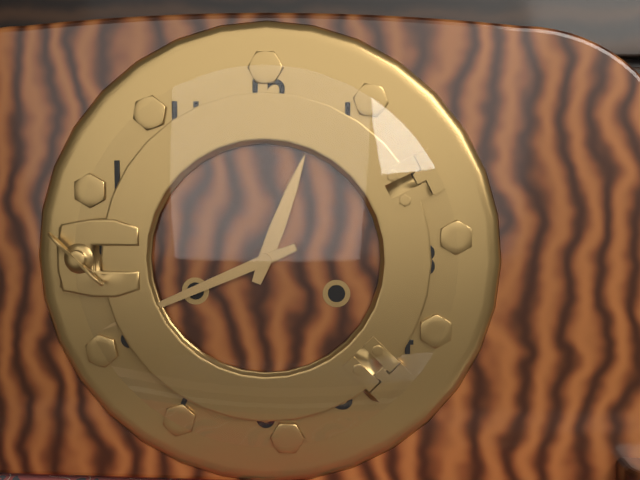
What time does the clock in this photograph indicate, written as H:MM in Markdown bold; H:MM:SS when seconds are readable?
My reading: **12:41**
